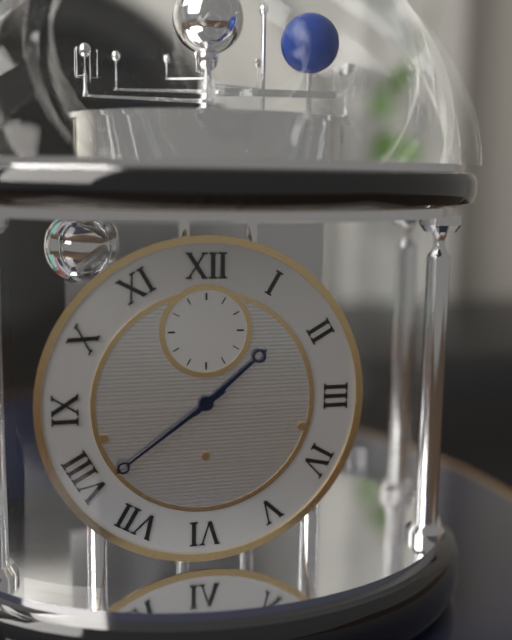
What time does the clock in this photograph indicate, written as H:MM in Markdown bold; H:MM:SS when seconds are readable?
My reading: **1:39**
